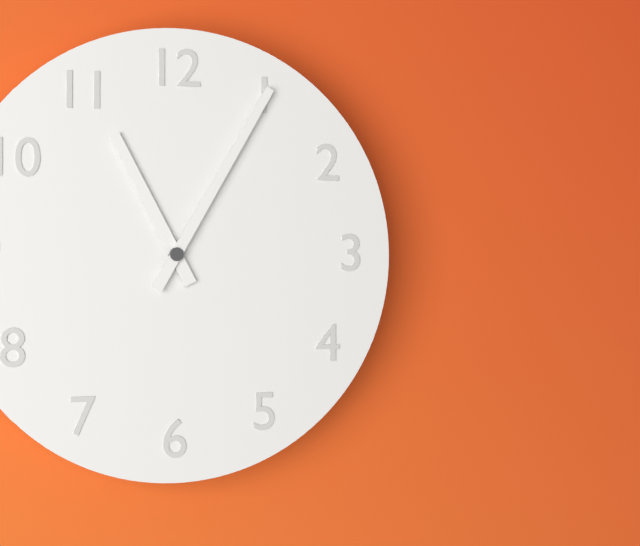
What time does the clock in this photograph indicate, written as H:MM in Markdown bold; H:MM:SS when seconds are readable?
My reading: **11:05**
